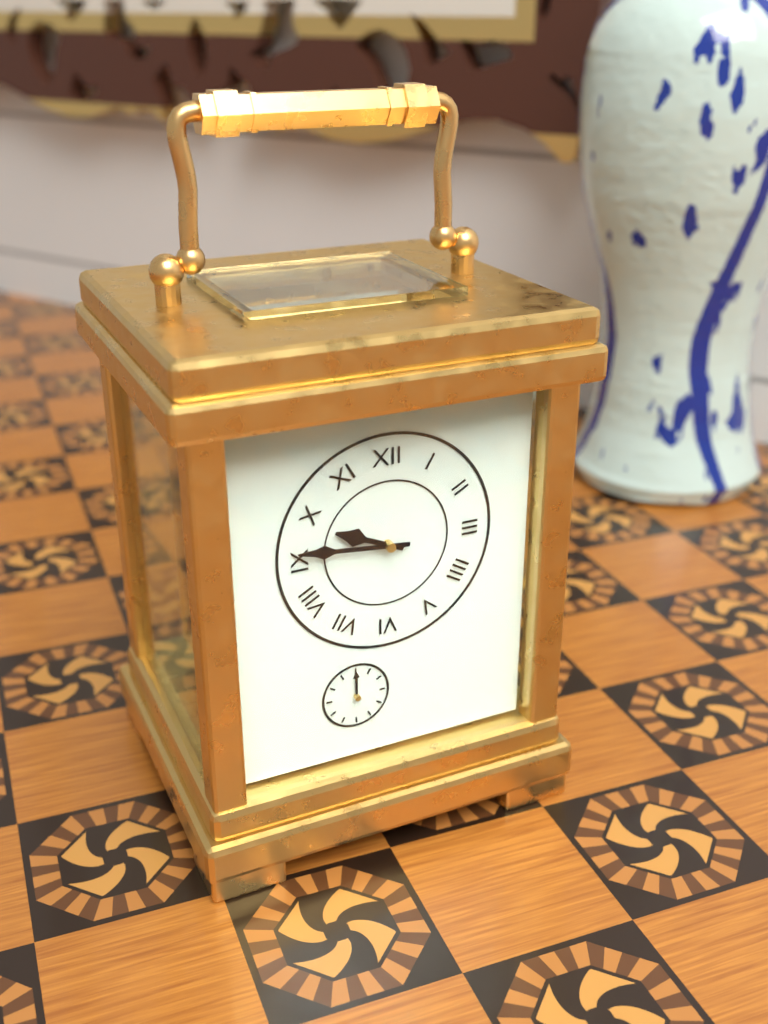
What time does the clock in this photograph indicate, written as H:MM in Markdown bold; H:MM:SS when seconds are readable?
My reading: **9:46**
